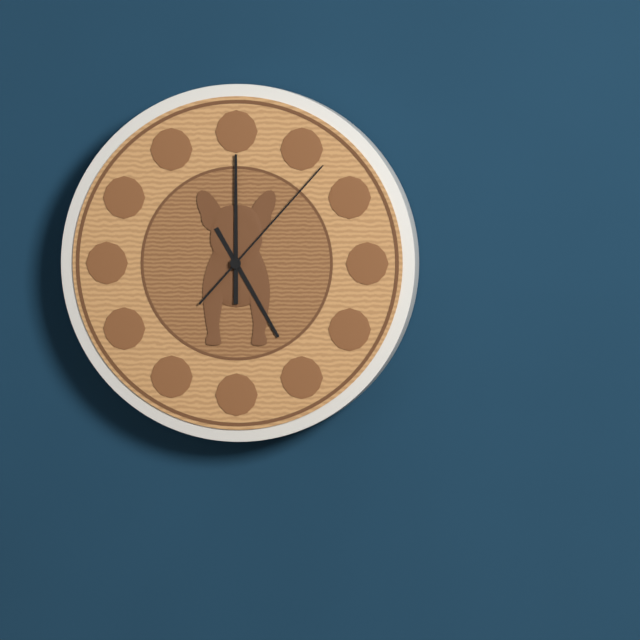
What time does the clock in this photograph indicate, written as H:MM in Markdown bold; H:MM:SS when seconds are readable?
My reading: **5:00:07**
